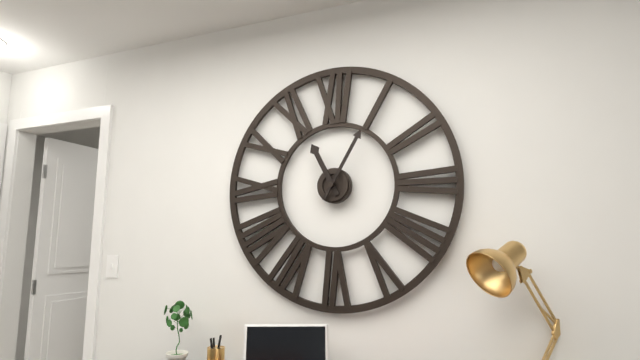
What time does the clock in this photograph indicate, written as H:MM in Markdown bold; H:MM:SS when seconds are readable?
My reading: **11:05**
